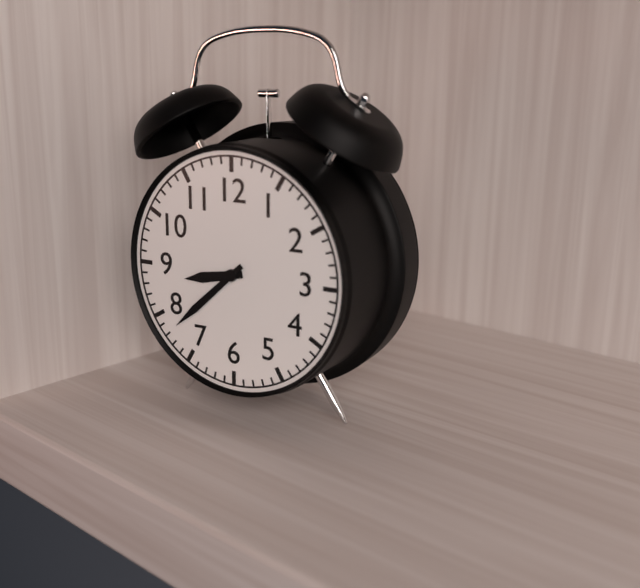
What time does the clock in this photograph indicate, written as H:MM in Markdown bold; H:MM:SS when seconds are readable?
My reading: **8:38**
